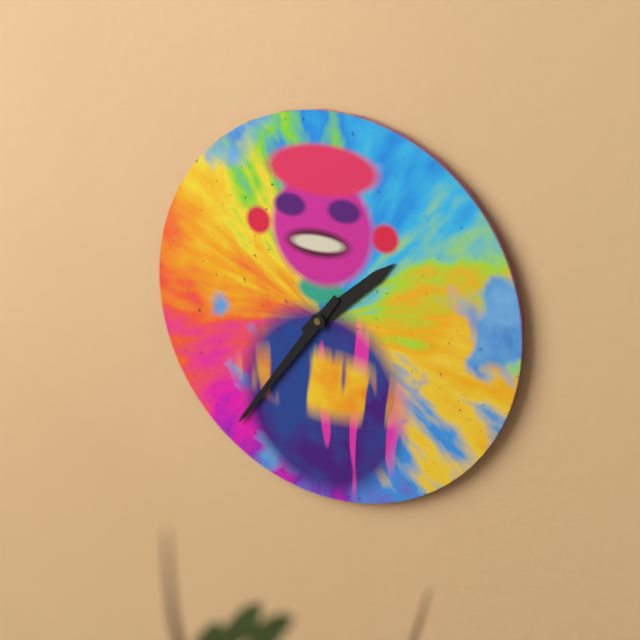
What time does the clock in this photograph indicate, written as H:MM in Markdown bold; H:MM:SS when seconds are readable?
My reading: **1:36**
